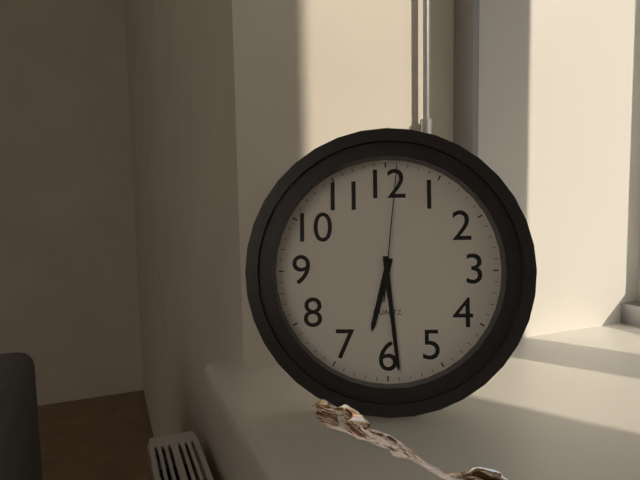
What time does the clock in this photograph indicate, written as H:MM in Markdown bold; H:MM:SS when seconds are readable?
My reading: **6:29:01**
